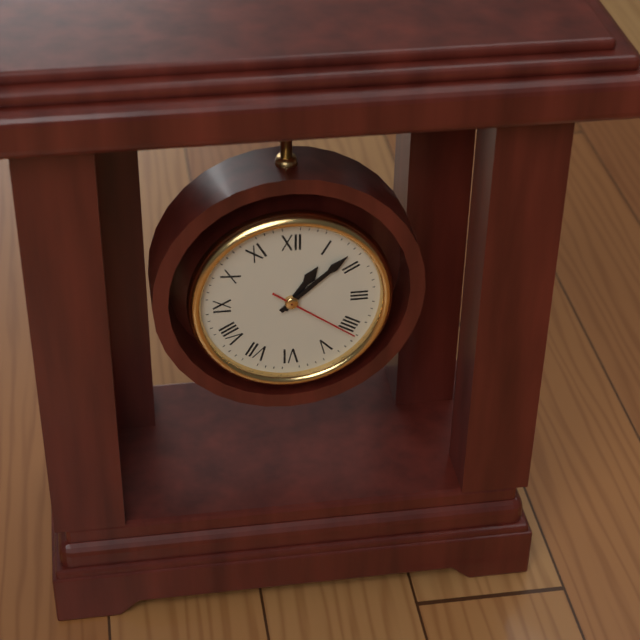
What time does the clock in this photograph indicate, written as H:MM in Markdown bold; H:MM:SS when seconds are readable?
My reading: **1:08:21**
